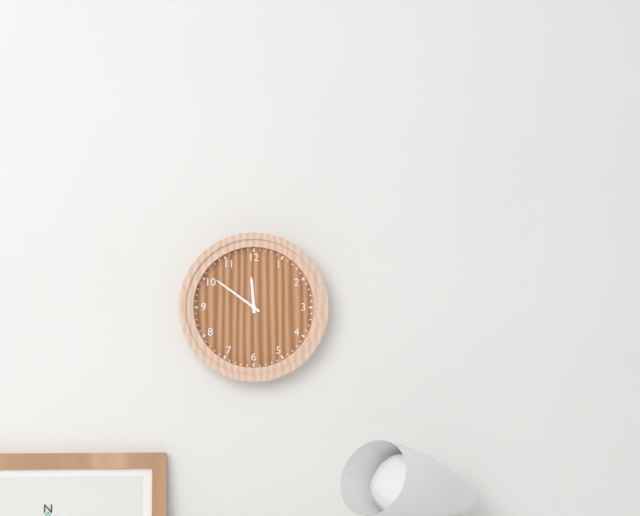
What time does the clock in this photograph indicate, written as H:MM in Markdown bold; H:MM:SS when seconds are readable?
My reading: **11:51**
